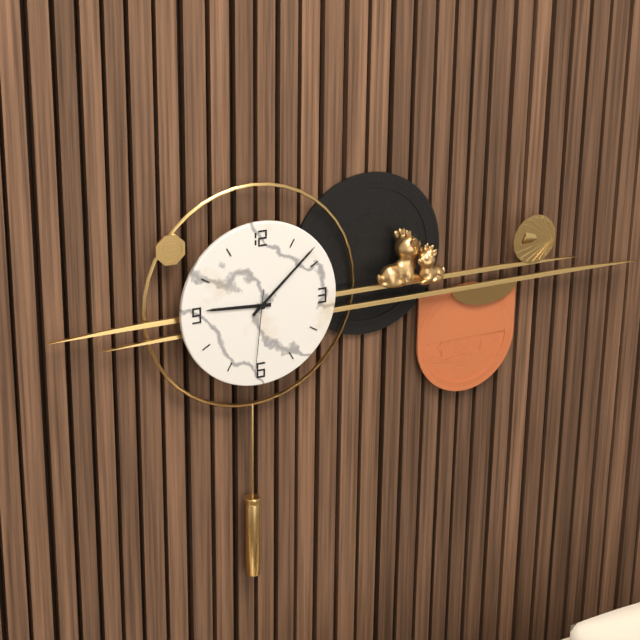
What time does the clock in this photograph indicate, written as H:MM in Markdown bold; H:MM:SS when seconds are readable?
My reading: **9:08:31**
